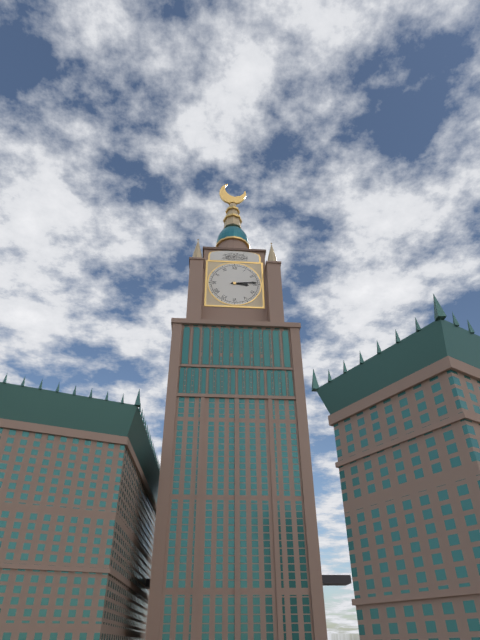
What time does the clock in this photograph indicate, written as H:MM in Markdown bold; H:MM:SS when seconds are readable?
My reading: **3:14**
